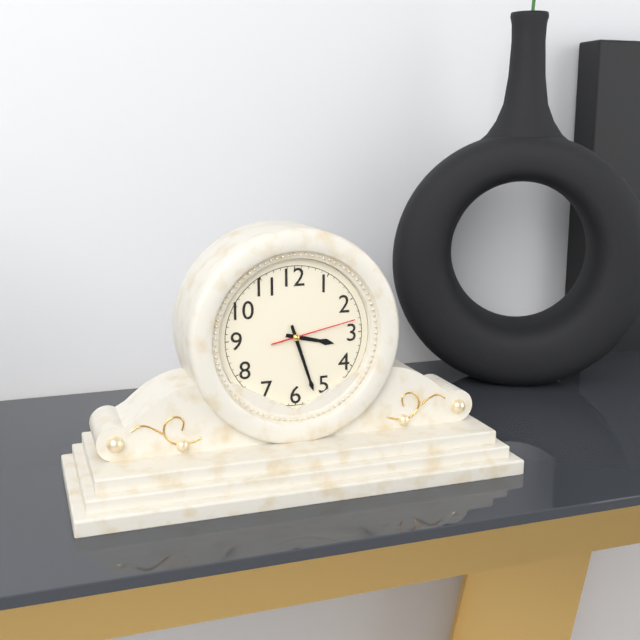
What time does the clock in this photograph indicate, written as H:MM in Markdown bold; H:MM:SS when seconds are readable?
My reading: **3:27:13**
